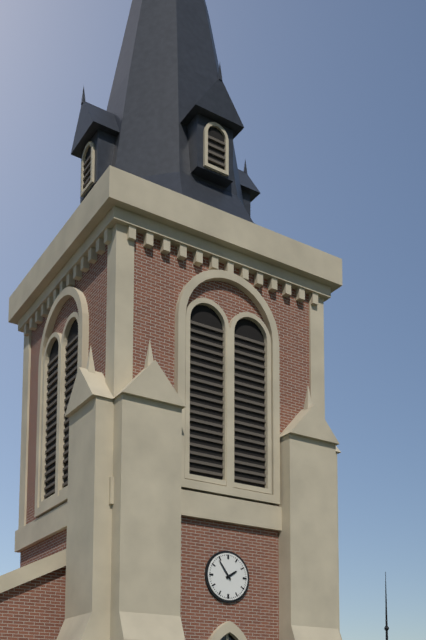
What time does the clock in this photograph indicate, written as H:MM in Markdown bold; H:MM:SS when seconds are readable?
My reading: **1:54**
